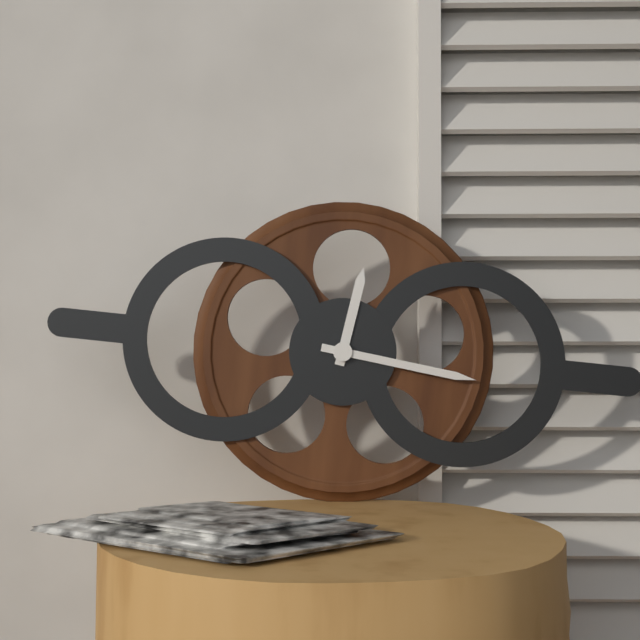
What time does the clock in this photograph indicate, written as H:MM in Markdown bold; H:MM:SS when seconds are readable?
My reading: **12:16**
